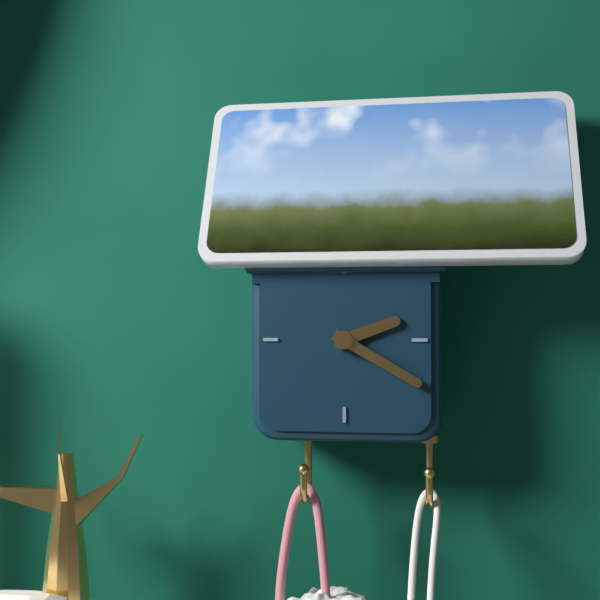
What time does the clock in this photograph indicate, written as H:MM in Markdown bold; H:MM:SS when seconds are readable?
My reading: **2:20**
